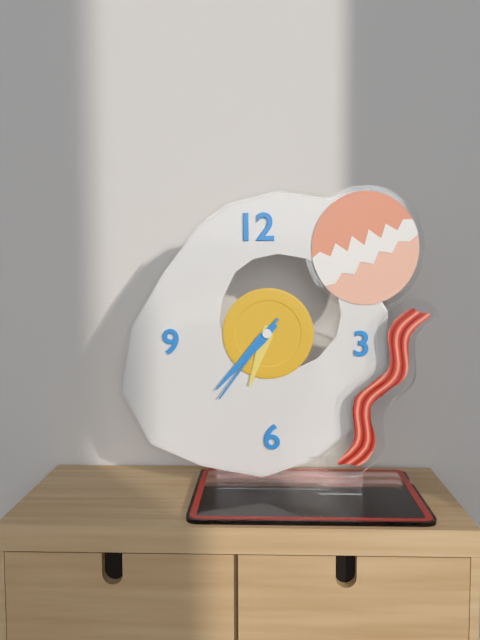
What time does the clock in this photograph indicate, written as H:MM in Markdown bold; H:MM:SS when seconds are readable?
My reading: **6:37:36**
